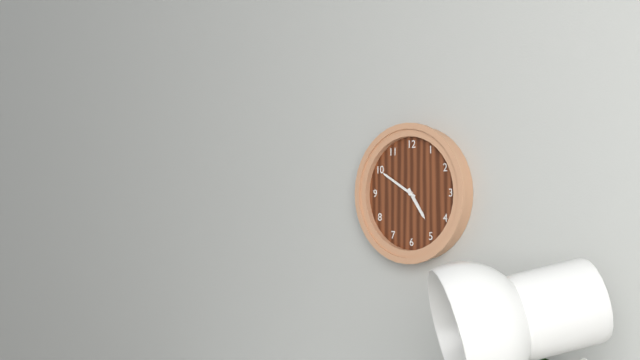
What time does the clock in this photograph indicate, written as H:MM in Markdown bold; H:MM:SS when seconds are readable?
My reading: **4:50**
